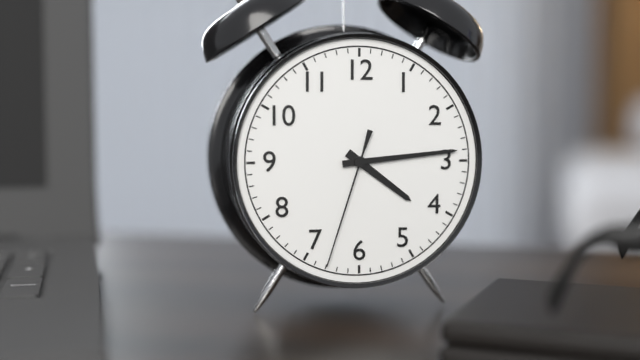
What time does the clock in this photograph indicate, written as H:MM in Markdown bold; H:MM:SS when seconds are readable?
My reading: **4:14:33**
